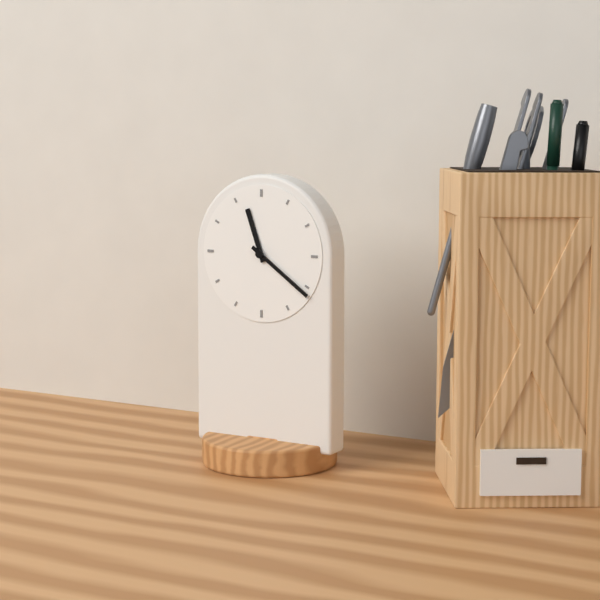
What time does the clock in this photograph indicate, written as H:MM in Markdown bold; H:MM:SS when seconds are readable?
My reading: **11:21**
